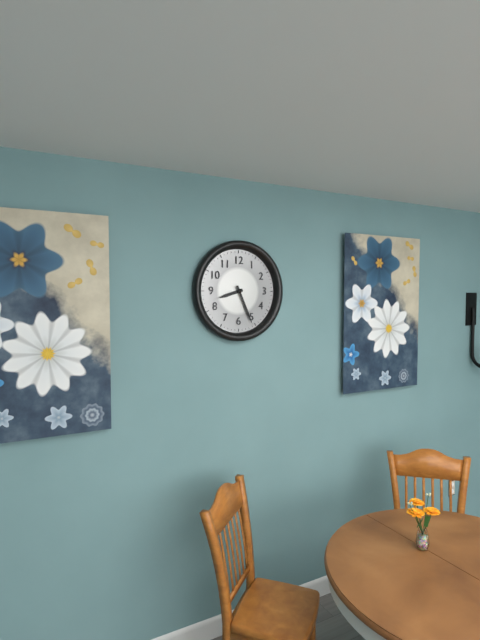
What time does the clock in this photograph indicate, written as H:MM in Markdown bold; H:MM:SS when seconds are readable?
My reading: **8:26**
